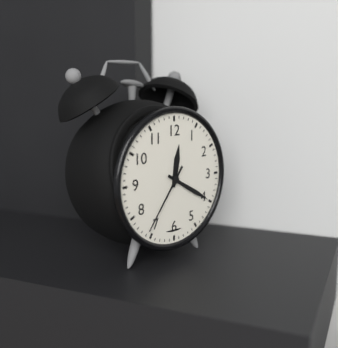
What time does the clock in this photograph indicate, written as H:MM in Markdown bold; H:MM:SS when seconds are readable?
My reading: **12:20:36**
